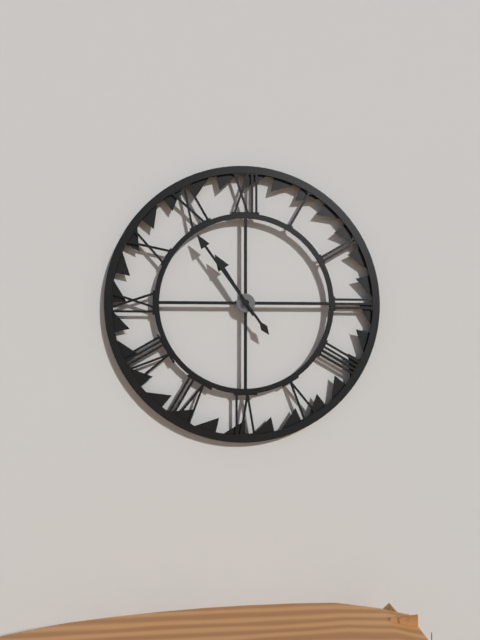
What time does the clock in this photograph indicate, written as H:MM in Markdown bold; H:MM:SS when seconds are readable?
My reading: **10:54**
